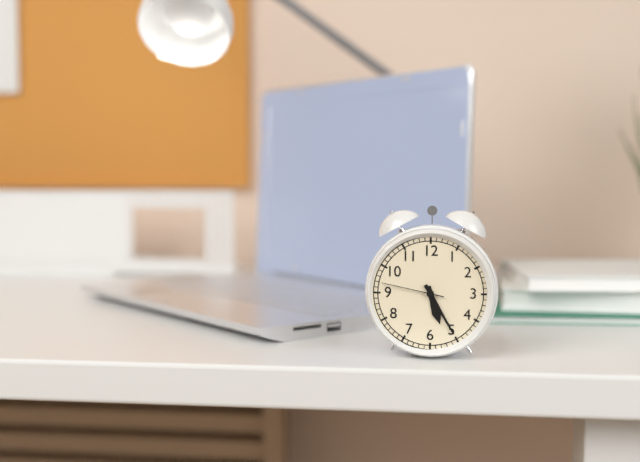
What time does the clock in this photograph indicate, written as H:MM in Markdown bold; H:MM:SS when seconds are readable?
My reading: **5:25:47**
